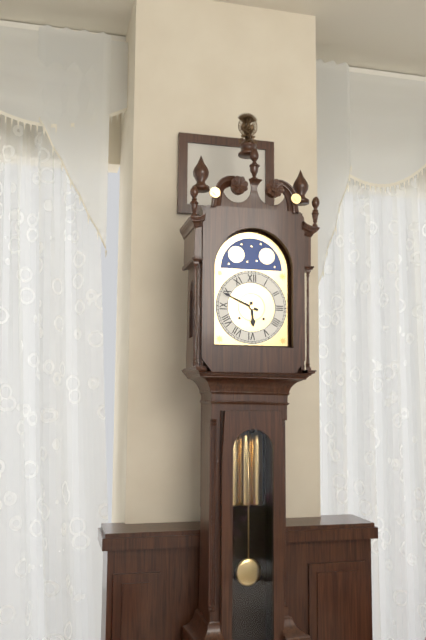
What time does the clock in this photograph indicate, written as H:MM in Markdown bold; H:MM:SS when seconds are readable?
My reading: **5:49**
